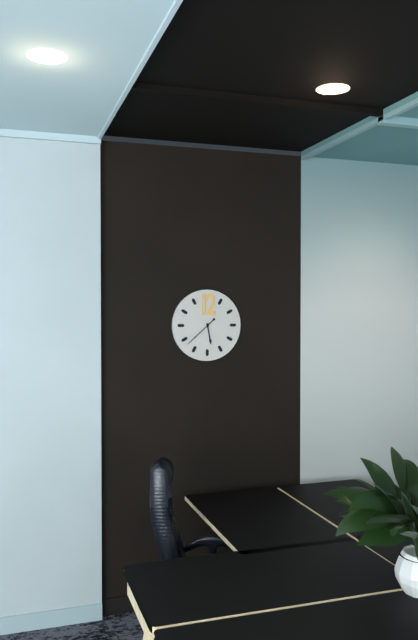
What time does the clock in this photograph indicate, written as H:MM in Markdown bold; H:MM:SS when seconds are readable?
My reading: **5:38**
